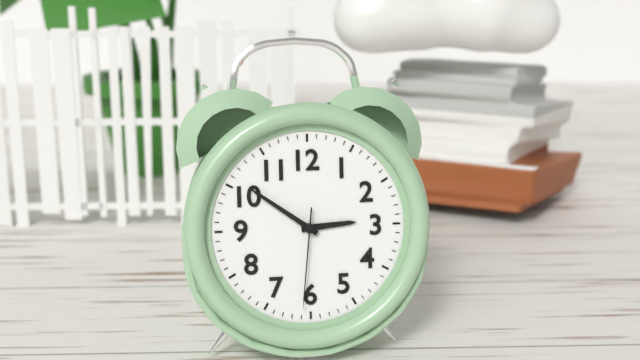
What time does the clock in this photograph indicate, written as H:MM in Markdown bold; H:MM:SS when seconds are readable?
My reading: **2:51:31**
